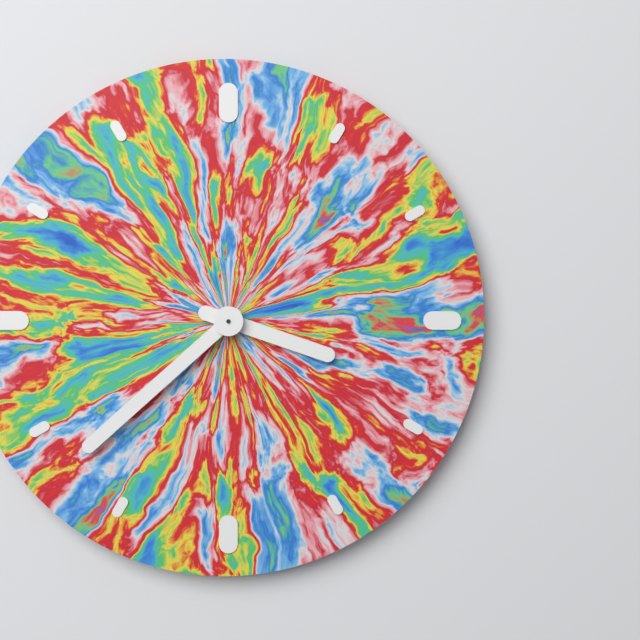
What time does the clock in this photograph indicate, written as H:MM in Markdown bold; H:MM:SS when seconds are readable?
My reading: **3:38**
